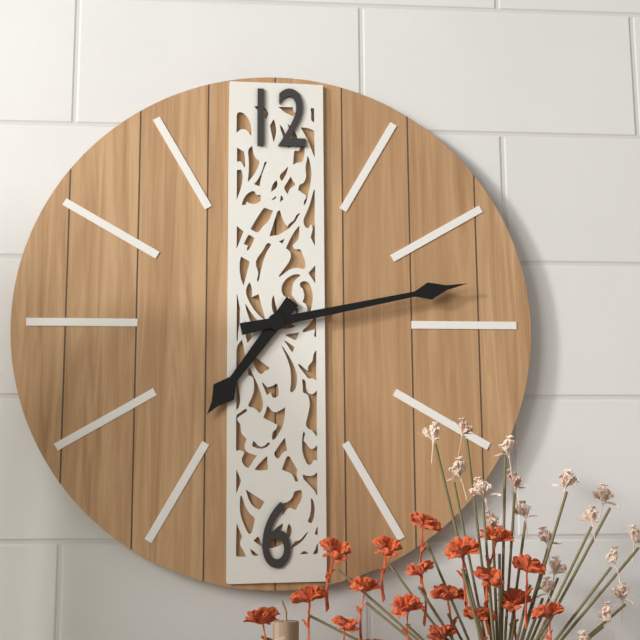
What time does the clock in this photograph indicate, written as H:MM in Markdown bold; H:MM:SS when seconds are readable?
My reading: **7:13**
